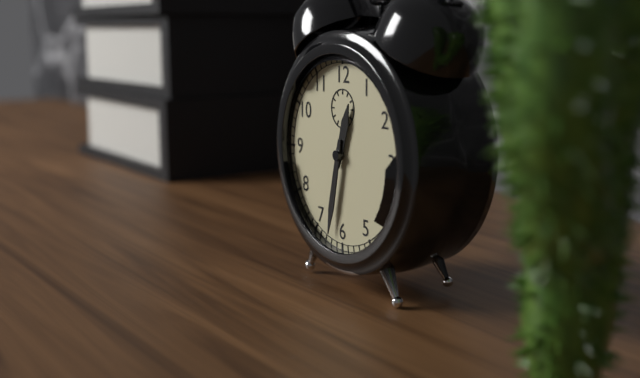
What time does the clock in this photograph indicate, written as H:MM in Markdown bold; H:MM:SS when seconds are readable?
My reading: **12:32**
